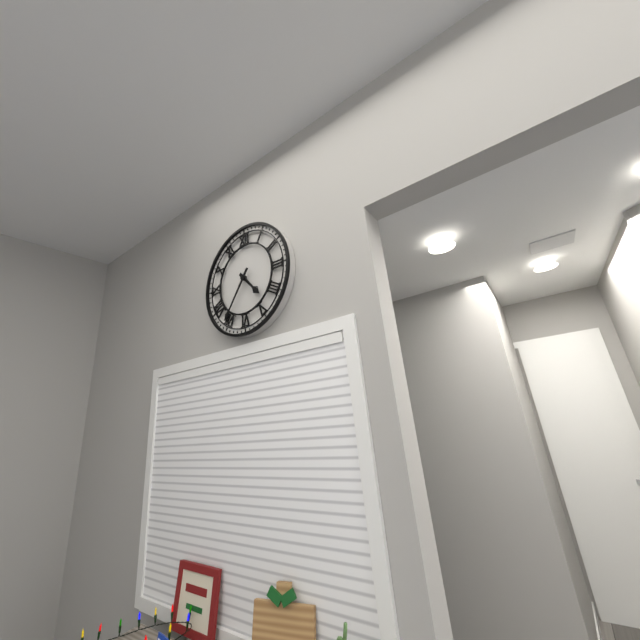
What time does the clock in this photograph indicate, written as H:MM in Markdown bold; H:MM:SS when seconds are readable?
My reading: **4:36**
